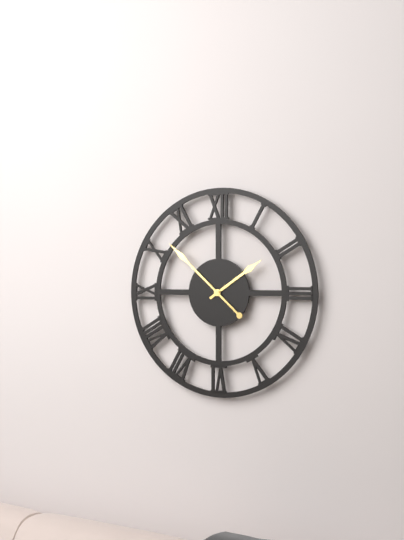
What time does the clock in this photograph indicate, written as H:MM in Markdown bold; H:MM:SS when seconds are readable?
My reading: **1:52**
